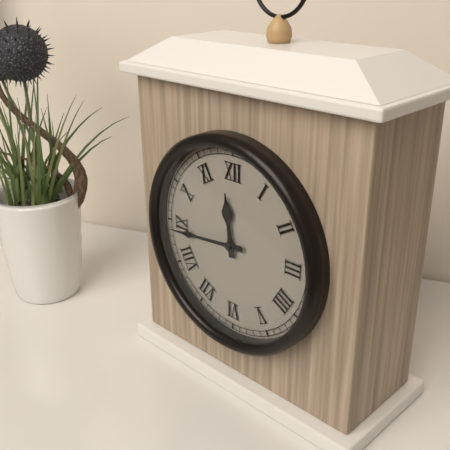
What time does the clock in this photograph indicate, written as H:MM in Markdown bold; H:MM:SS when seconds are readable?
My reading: **11:44**
